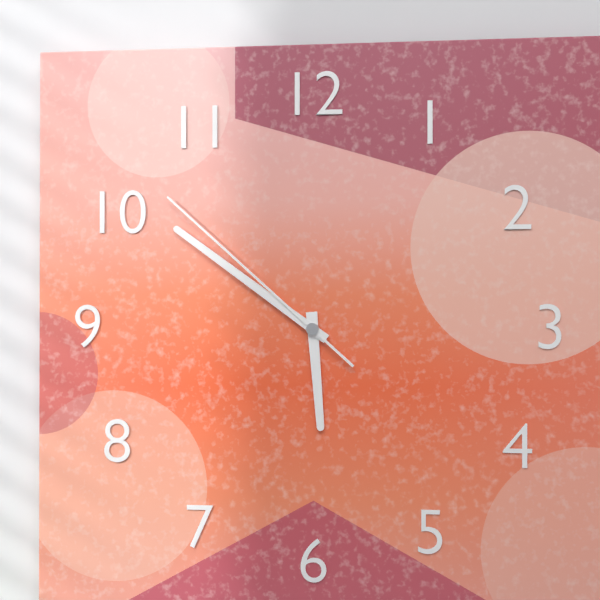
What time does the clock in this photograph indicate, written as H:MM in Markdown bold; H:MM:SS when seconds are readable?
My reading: **5:51:52**
